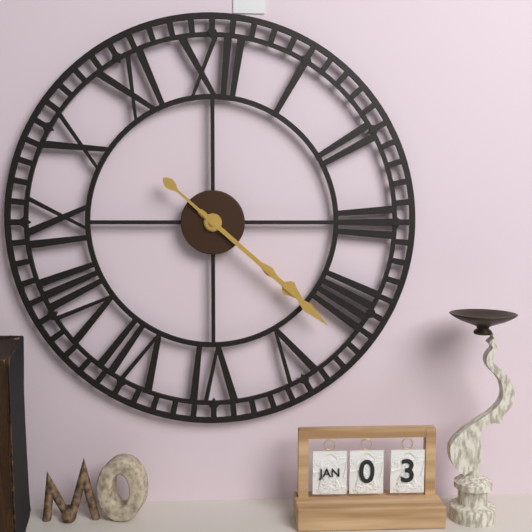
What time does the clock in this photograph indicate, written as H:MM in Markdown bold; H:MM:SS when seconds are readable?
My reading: **4:22**
